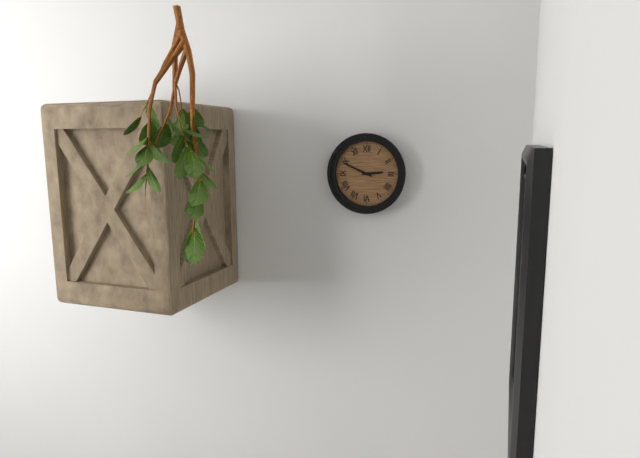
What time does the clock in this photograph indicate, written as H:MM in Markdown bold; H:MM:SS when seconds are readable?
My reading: **2:49**
